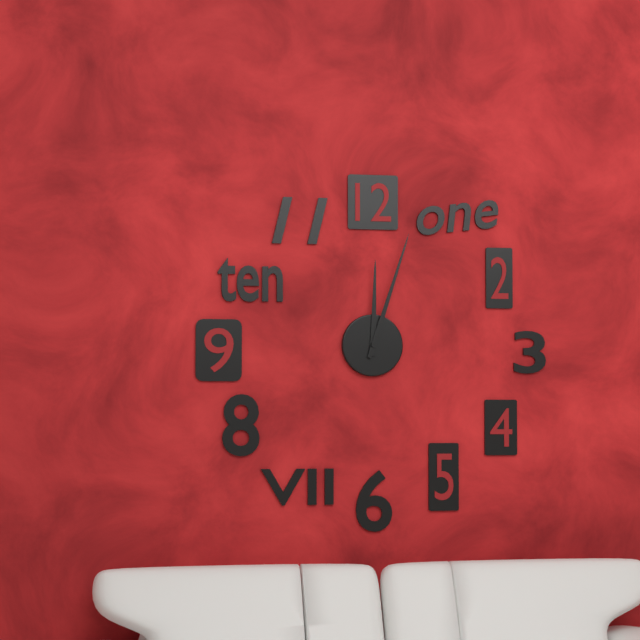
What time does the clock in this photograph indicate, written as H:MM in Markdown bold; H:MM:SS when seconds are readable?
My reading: **12:03**
